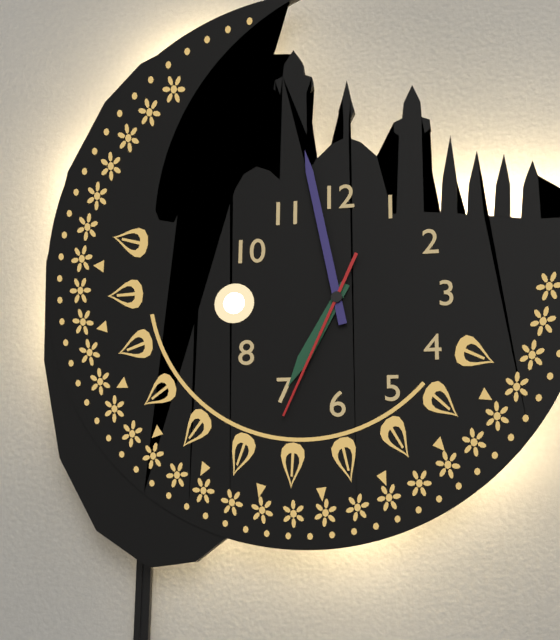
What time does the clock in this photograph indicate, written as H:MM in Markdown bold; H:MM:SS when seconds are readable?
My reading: **6:58:34**
